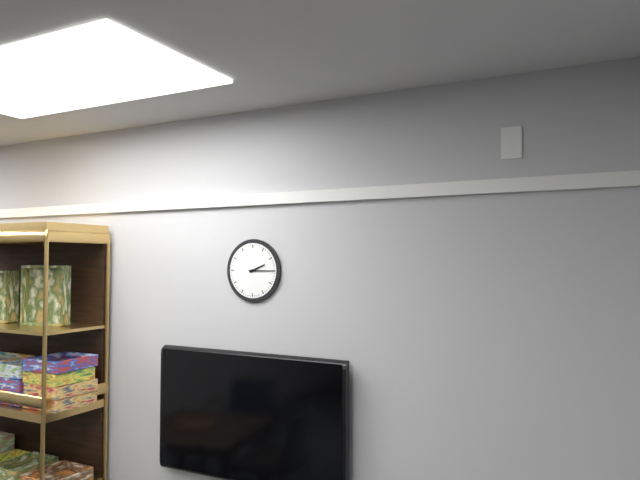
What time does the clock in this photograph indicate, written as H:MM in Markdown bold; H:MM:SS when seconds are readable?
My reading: **2:15**
